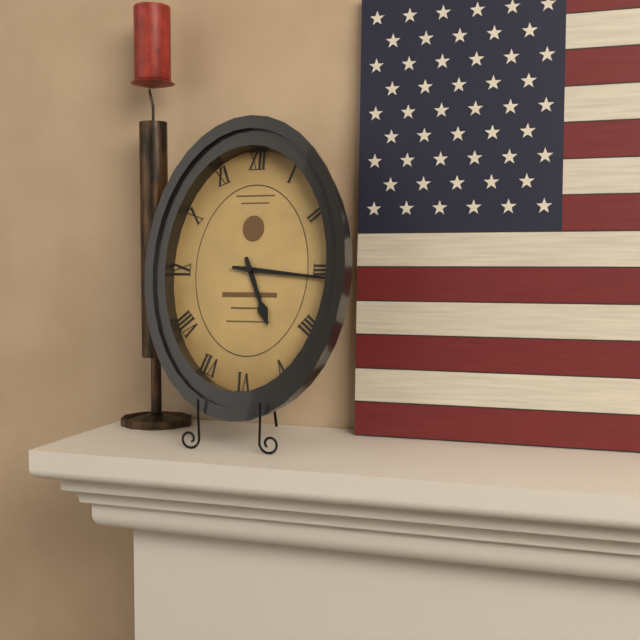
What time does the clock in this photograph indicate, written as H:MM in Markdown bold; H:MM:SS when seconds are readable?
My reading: **5:16**
